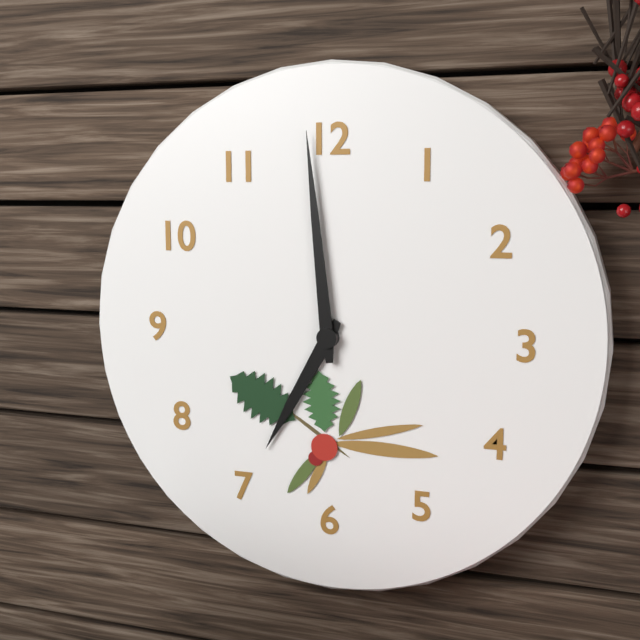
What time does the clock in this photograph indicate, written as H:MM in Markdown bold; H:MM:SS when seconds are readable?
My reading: **6:59**
